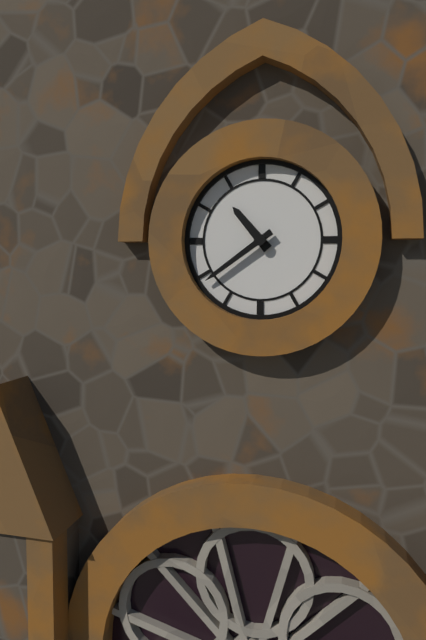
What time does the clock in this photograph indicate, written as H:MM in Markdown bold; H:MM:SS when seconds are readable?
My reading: **10:39**
